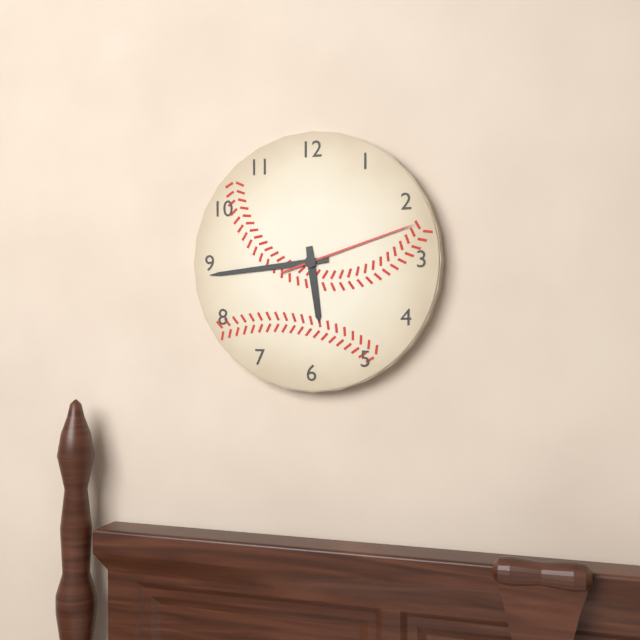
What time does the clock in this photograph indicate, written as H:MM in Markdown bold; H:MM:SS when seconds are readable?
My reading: **5:44:12**
